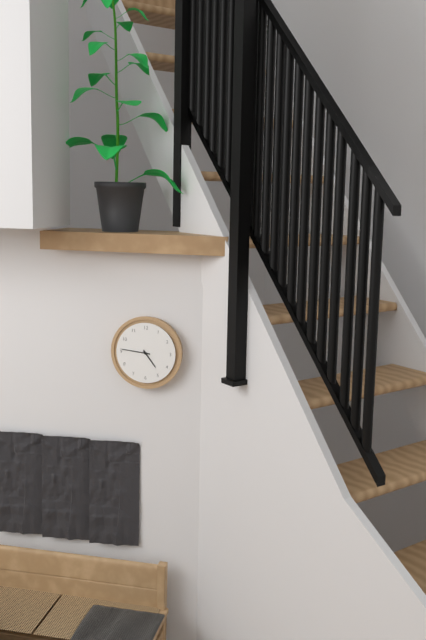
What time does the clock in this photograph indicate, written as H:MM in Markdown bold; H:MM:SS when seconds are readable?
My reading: **4:46**
